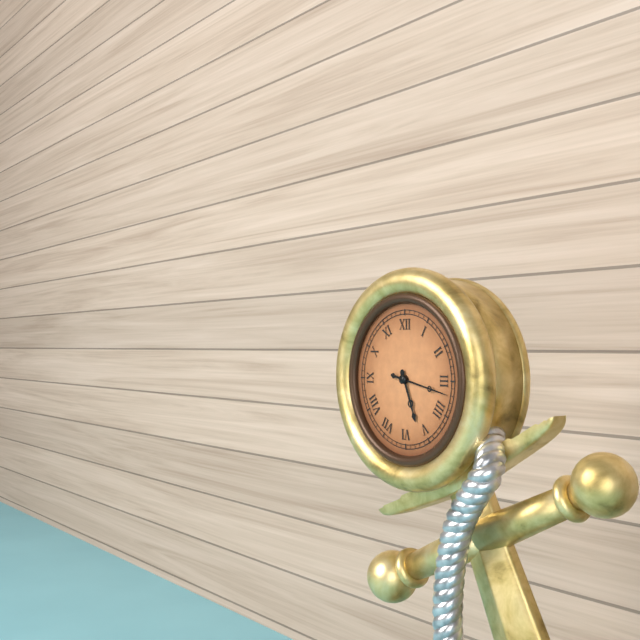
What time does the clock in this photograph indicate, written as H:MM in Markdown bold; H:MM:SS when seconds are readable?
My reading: **5:17**
